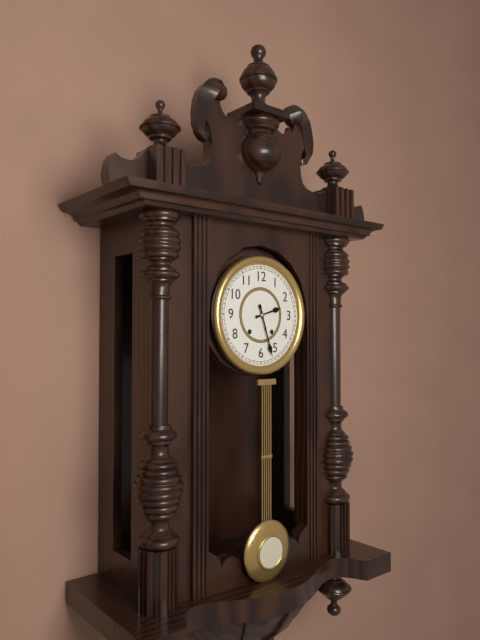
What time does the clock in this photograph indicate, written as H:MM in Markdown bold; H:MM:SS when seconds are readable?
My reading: **2:27**
